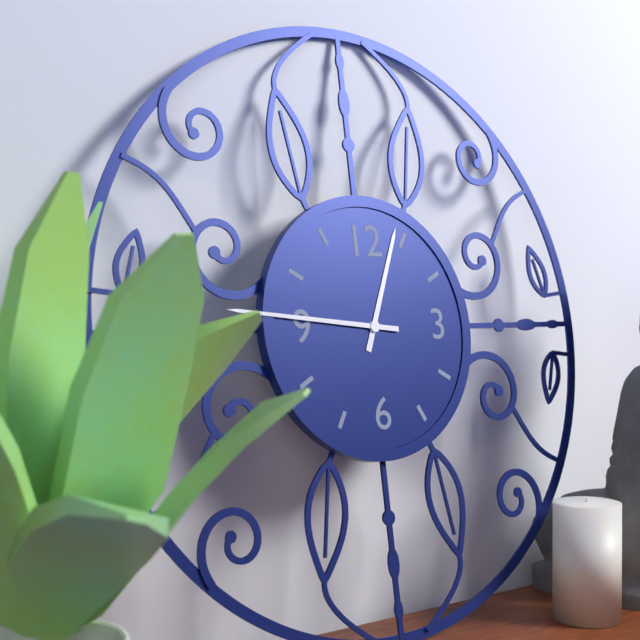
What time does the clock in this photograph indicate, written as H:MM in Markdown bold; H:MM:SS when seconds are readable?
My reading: **12:46**
